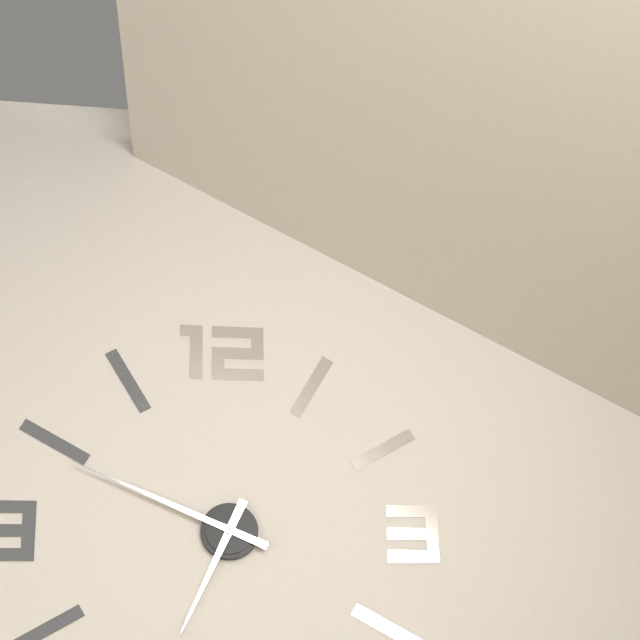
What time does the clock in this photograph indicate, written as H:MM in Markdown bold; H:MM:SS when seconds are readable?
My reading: **6:49**
